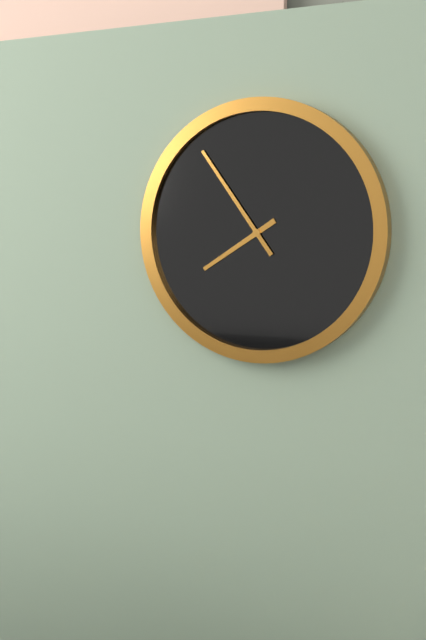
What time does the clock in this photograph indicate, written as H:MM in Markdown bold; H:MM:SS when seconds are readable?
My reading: **7:54**
